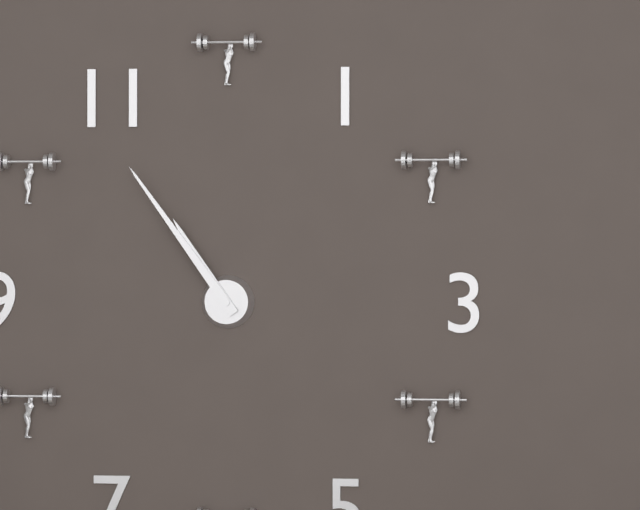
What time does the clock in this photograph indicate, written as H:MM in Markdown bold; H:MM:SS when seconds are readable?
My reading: **10:54**
